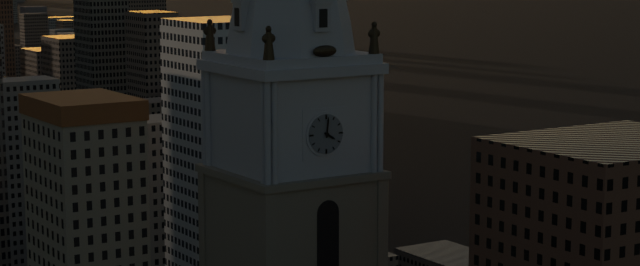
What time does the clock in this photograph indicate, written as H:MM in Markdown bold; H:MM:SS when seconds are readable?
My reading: **4:01**
